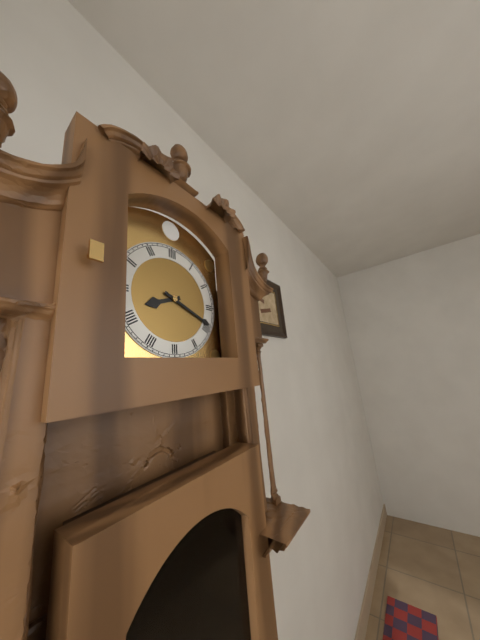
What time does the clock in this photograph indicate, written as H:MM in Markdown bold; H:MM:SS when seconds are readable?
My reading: **8:19**
